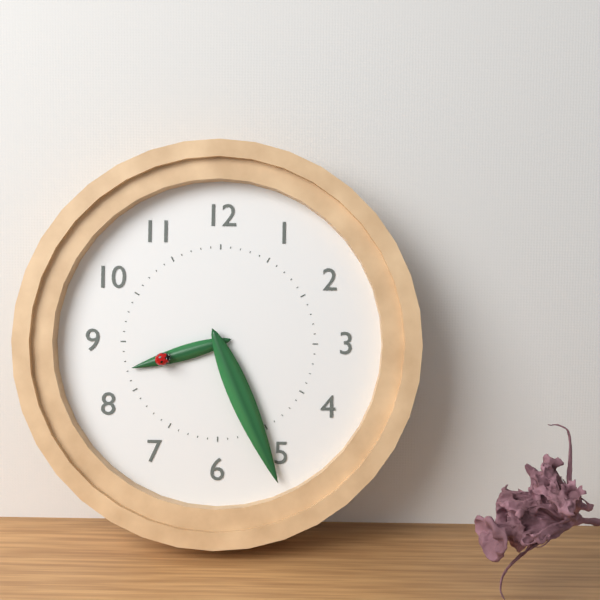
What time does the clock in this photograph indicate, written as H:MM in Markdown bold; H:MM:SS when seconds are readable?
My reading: **8:26**
